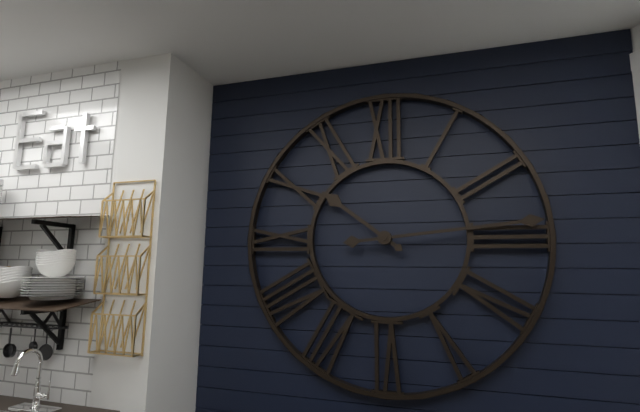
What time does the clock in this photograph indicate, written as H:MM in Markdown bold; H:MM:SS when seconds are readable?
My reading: **10:14**
